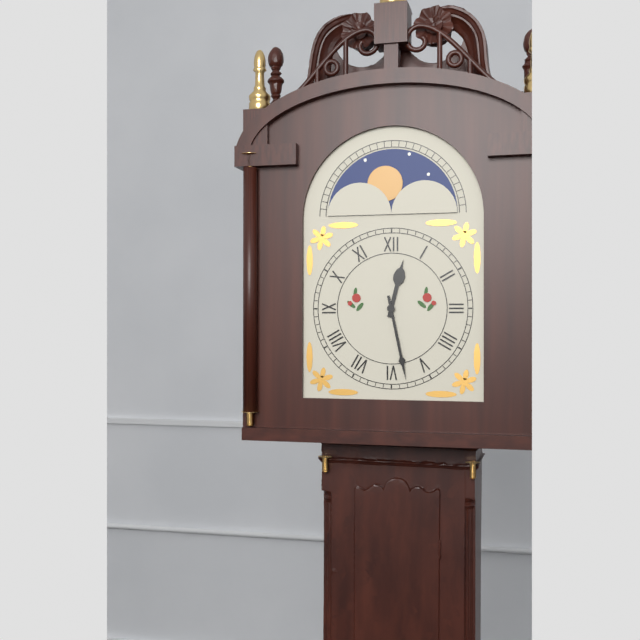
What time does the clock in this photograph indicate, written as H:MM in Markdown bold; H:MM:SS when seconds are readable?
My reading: **12:28**
